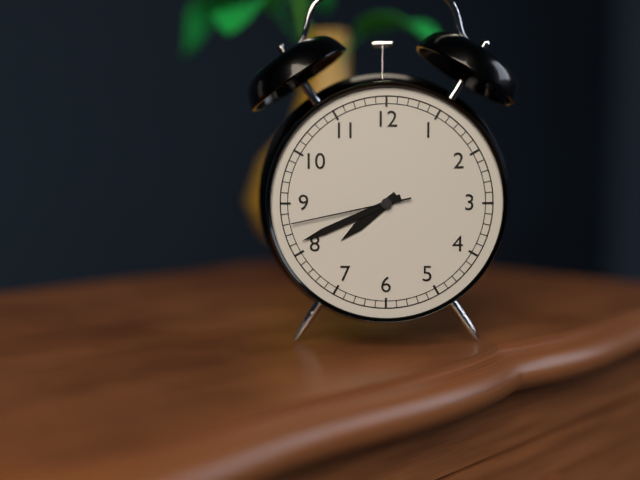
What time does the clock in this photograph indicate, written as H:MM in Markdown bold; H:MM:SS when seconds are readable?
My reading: **7:41:43**
